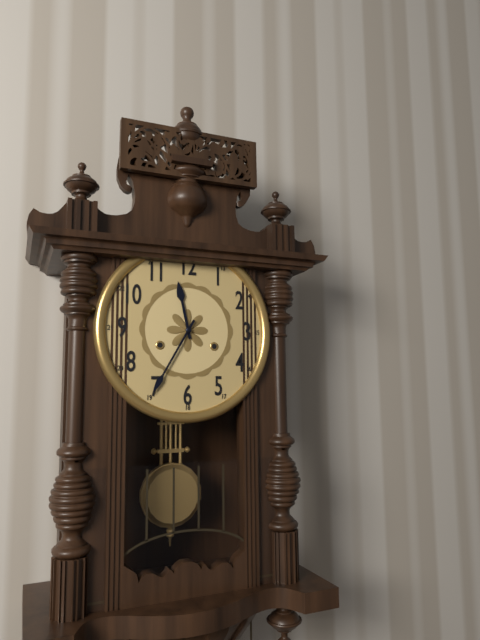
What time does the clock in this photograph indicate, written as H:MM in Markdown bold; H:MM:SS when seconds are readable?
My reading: **11:35**
